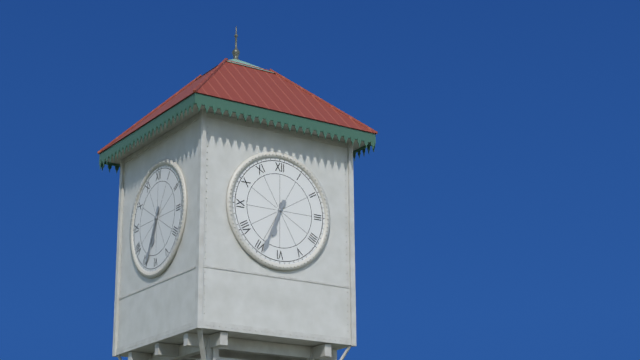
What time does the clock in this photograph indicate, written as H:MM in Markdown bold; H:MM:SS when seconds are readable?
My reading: **6:34**
